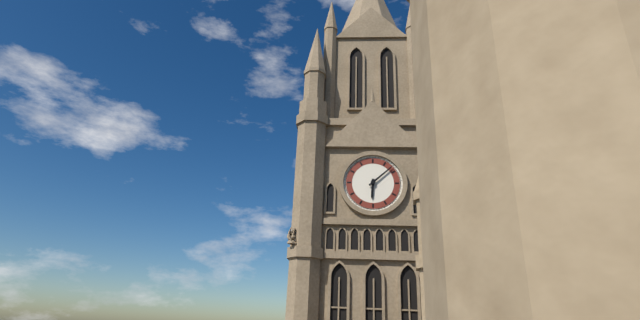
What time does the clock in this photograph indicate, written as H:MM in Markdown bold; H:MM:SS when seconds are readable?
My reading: **6:08**
